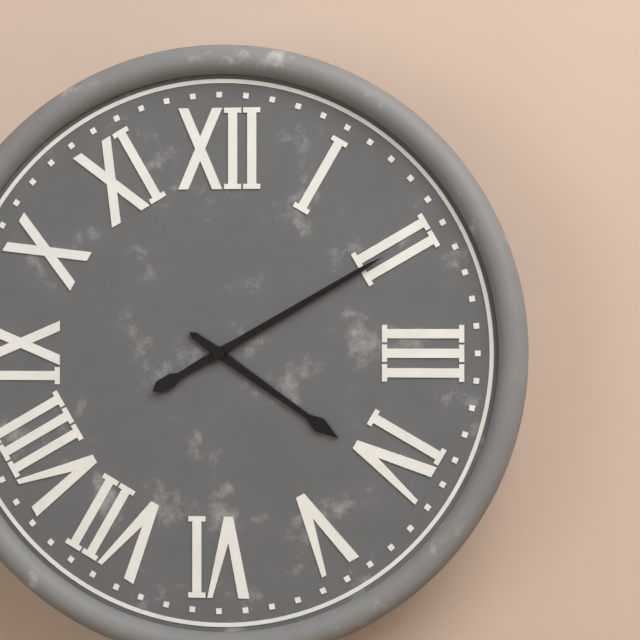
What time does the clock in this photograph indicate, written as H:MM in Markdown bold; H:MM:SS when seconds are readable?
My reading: **4:10**
